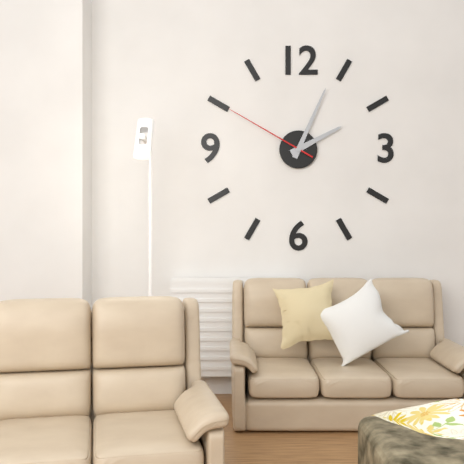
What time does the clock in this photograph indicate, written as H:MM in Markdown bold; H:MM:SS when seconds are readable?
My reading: **2:04:50**
